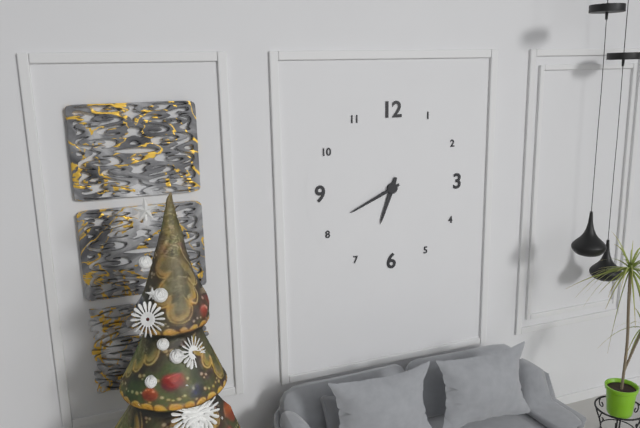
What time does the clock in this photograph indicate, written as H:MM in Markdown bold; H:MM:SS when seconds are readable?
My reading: **6:41**
